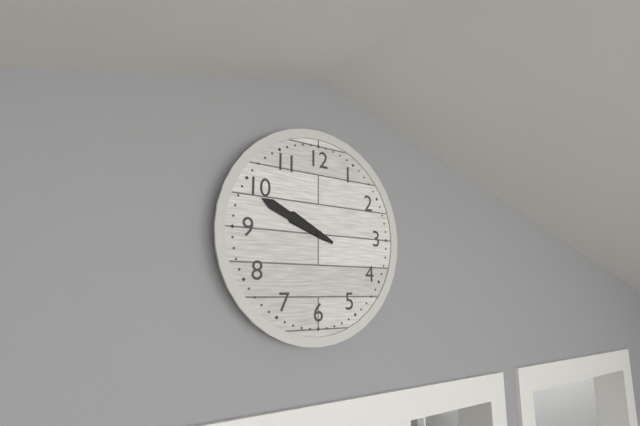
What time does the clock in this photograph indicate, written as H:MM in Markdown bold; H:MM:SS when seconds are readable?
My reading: **9:49**
